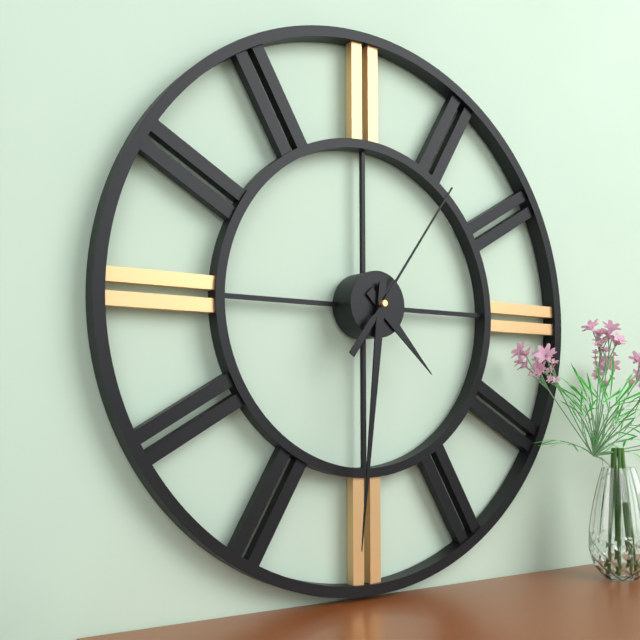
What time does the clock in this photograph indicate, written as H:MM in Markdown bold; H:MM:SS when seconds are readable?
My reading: **4:31:06**
